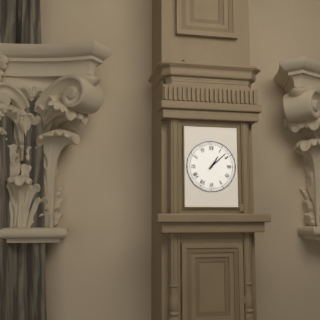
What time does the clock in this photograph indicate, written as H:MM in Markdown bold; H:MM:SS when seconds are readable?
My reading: **1:08**
